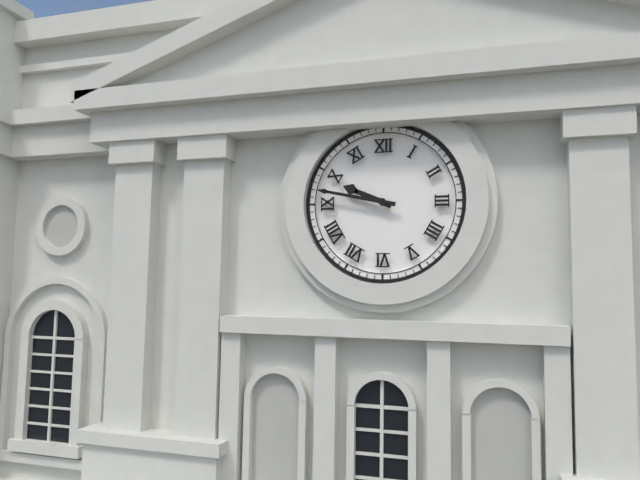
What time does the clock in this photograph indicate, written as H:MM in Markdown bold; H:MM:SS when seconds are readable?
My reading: **9:47**
